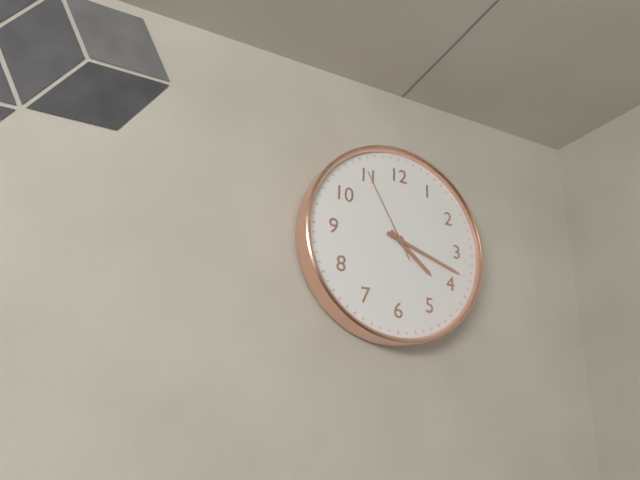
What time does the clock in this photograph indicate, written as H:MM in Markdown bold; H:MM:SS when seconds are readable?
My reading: **4:18:55**
